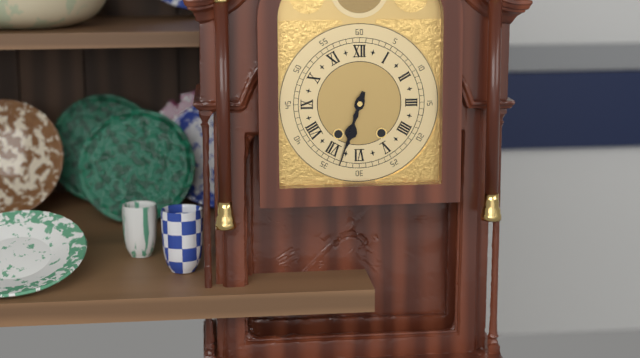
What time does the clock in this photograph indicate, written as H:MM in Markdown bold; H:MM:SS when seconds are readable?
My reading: **6:33**
